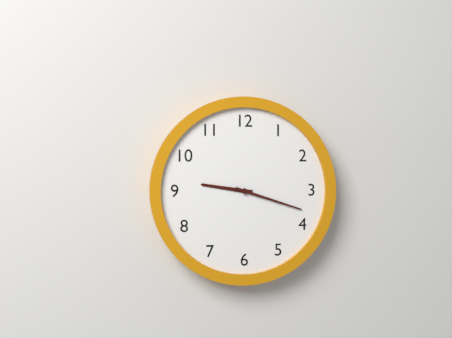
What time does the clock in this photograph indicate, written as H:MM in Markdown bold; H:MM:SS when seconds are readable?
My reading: **9:18**
